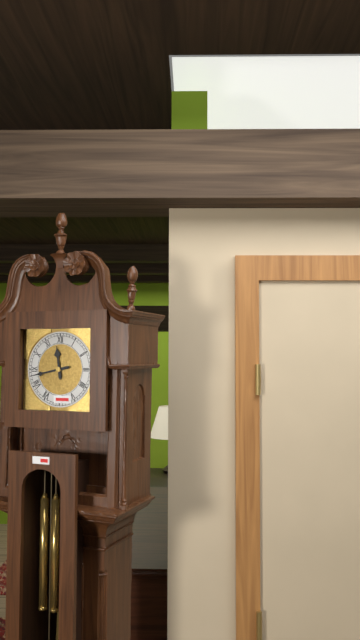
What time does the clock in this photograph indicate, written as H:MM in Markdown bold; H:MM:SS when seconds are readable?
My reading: **11:43**
